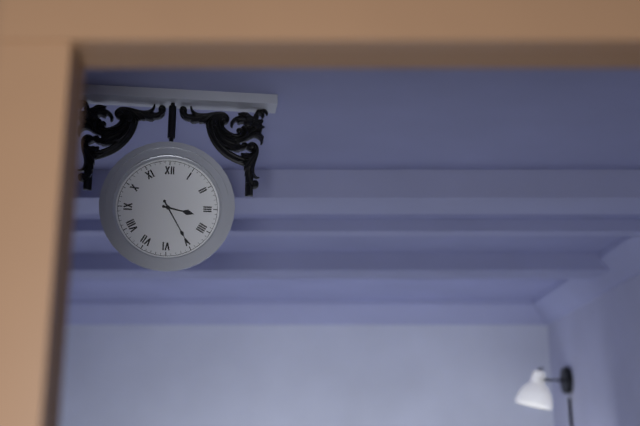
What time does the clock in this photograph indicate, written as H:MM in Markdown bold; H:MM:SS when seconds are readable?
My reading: **3:25**
